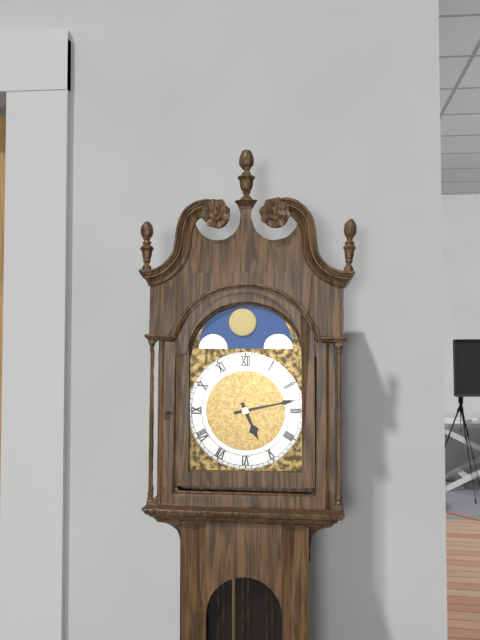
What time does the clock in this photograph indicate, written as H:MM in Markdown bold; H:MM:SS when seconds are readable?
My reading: **5:13**
